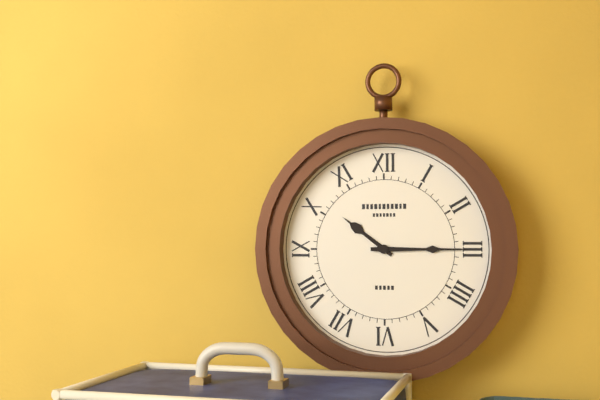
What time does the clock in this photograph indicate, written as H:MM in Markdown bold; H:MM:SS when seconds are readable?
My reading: **10:15**
